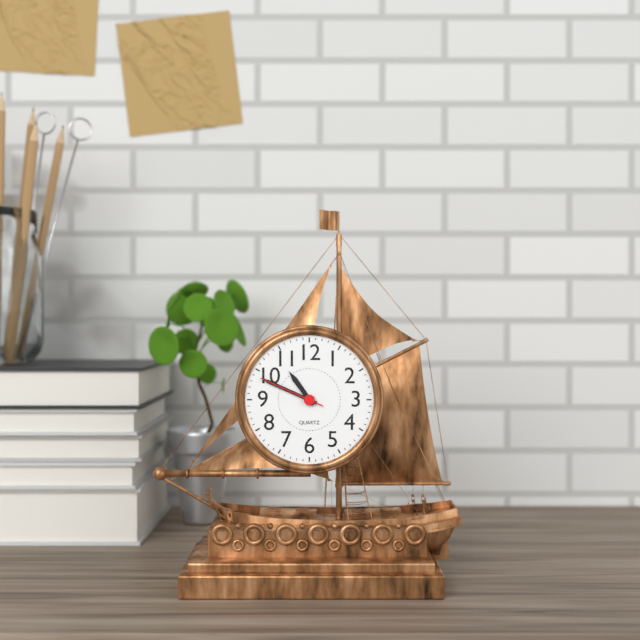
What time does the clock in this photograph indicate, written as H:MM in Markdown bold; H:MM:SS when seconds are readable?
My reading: **10:49:49**
